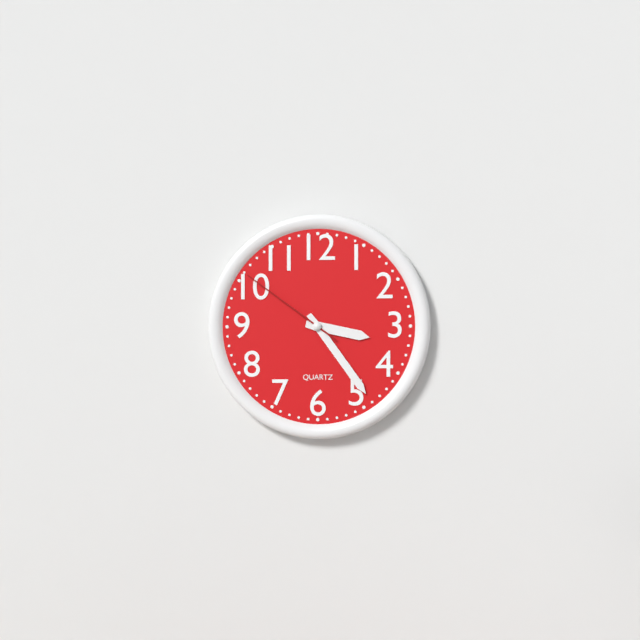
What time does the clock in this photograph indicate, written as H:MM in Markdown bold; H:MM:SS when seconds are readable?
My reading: **3:24:51**
